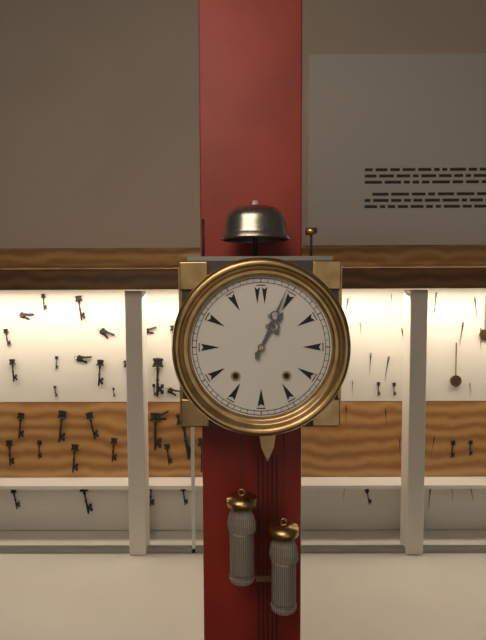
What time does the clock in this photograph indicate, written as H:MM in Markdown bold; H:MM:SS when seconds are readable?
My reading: **1:04**
